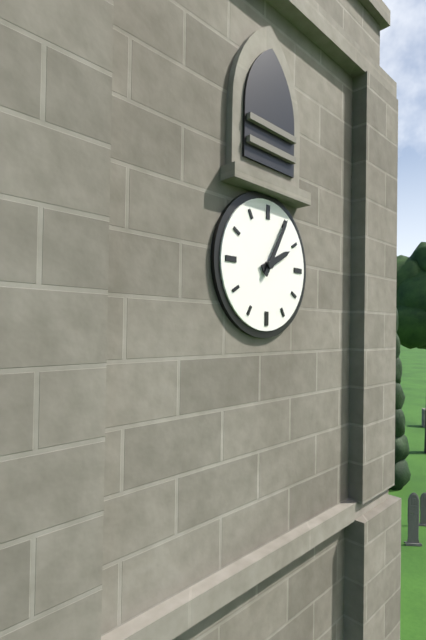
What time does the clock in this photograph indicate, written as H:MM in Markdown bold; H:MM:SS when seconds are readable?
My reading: **2:05**
